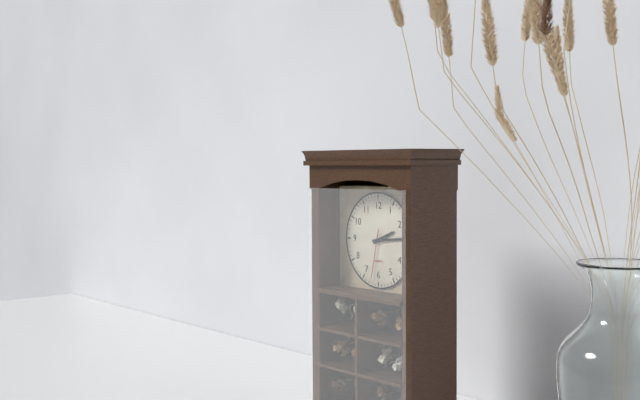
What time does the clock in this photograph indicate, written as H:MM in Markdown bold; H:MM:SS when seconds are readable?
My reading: **2:14:32**
